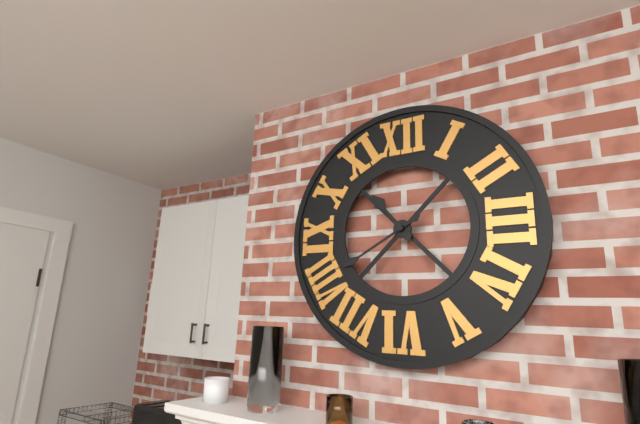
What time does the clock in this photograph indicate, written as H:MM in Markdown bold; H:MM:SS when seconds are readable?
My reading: **10:40**
